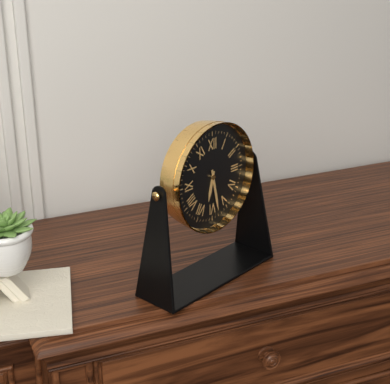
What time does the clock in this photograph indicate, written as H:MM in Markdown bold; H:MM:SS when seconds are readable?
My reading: **6:28**
